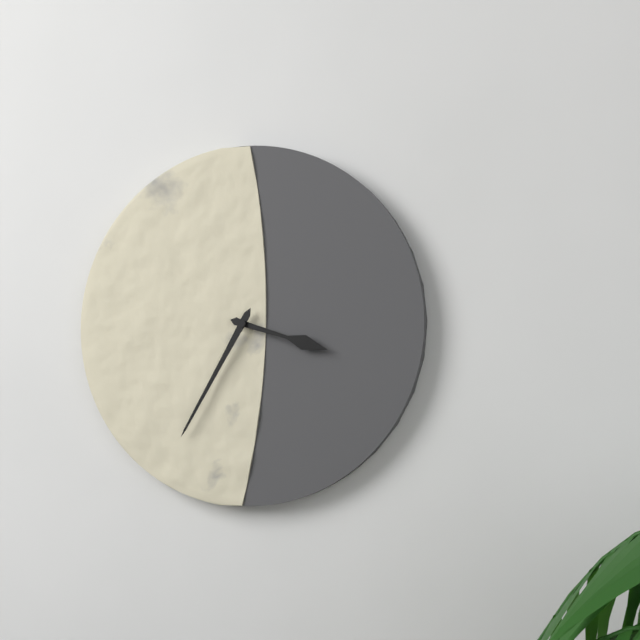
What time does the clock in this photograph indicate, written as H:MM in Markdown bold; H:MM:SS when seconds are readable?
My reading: **3:35**
